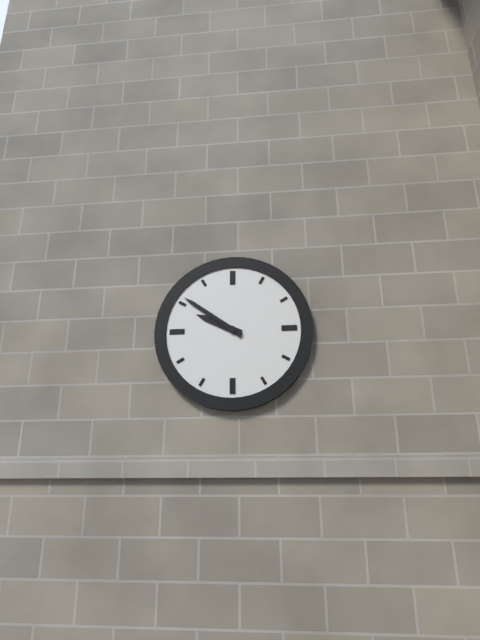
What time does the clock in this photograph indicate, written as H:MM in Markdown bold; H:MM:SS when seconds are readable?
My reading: **9:51**
